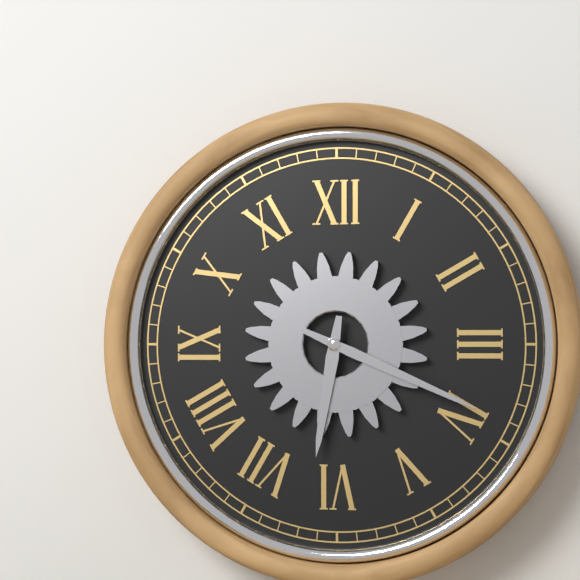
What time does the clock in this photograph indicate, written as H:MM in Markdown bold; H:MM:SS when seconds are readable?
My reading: **6:19**
